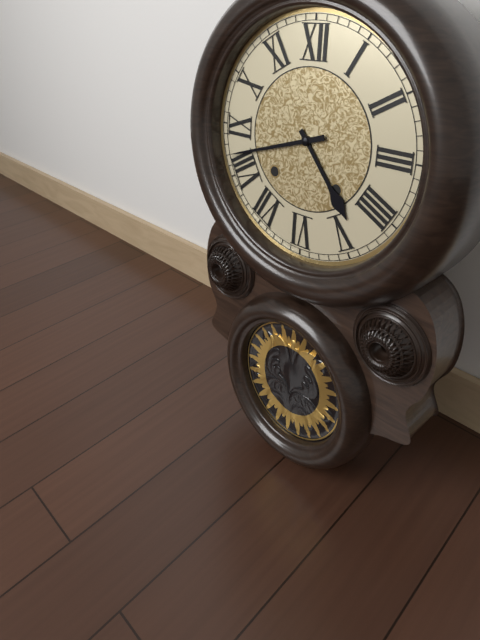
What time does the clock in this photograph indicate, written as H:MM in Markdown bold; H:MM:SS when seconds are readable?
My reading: **4:42**
